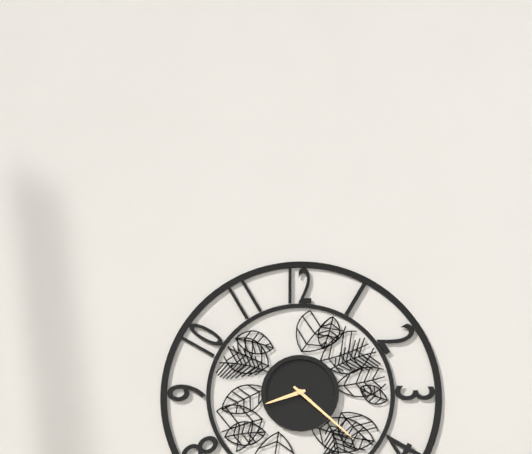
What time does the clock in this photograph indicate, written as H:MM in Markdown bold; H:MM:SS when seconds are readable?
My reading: **8:22**
